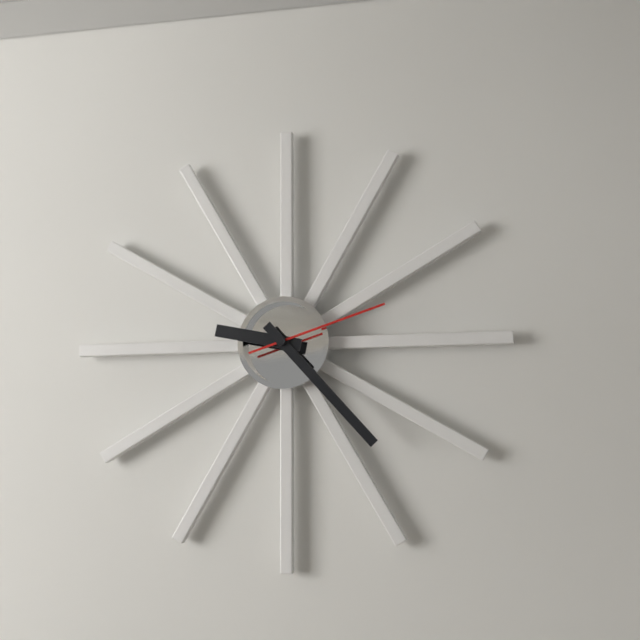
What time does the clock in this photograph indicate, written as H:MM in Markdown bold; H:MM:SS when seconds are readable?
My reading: **9:23:12**
